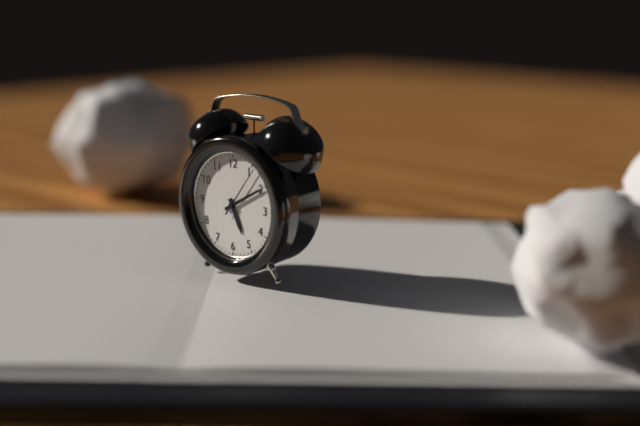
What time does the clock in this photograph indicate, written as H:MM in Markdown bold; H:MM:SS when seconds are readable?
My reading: **5:10:06**
